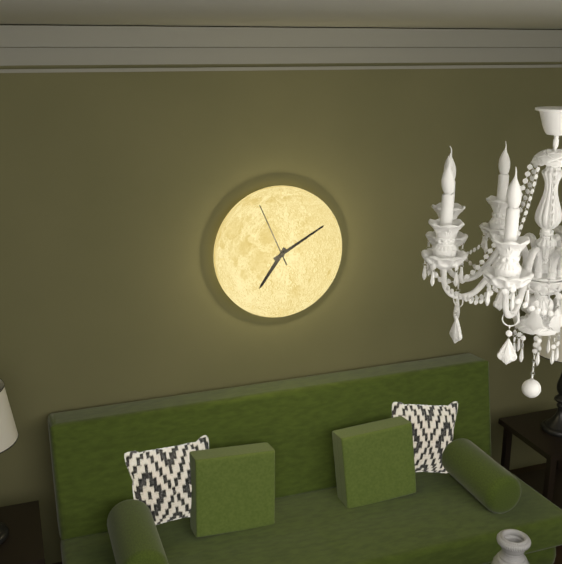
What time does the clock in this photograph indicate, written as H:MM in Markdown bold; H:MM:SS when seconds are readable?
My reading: **7:10:56**
